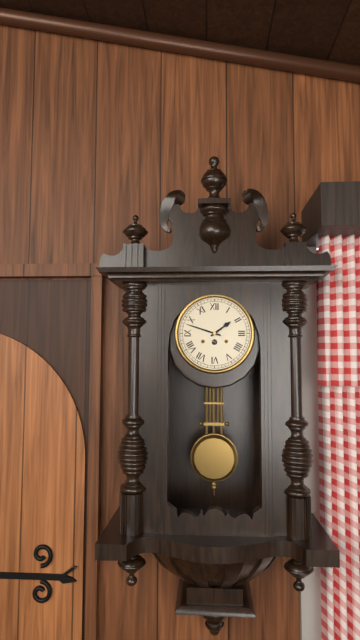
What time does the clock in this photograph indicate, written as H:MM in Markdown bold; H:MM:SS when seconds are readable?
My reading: **1:48**
